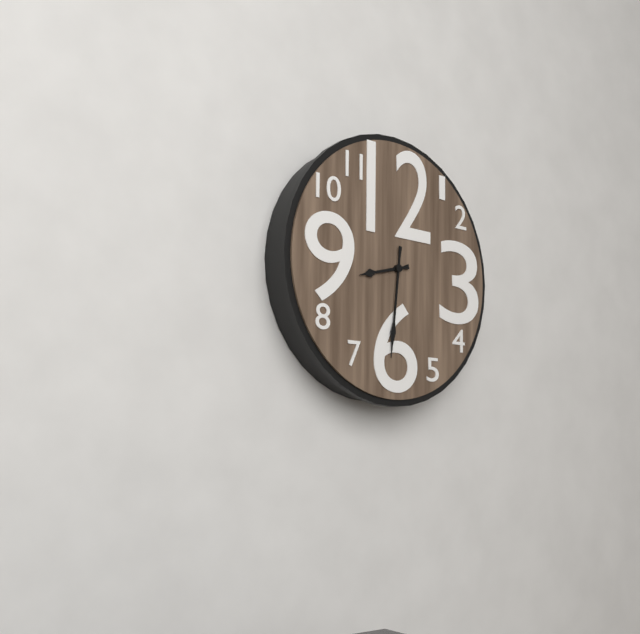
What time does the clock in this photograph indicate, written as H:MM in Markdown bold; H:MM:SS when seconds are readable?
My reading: **8:31**
